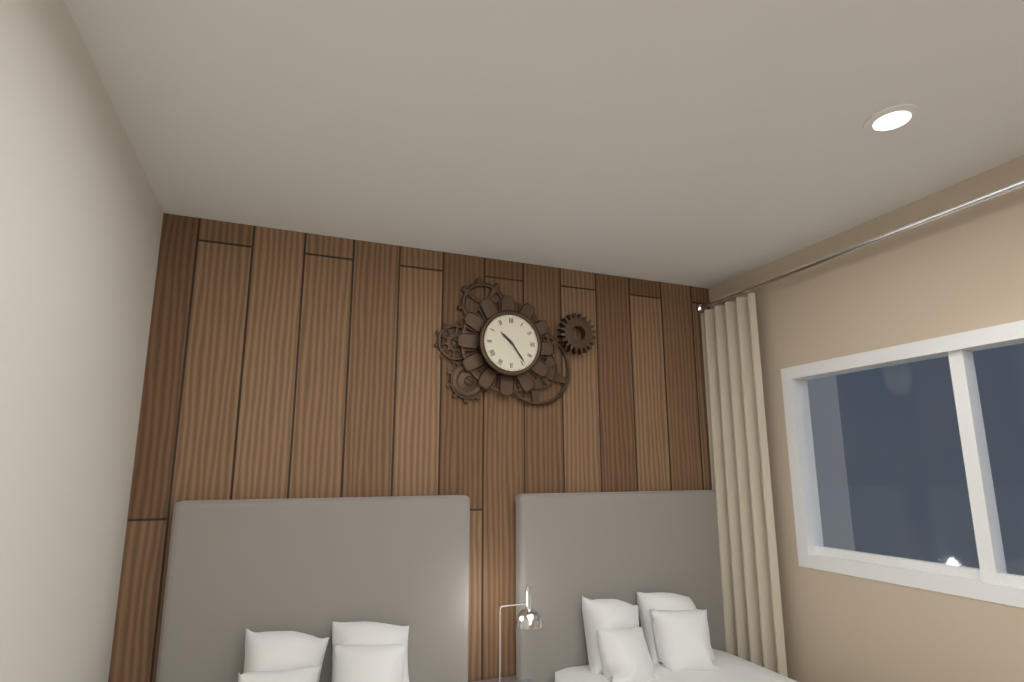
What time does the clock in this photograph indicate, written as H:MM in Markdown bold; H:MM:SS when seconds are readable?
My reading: **10:24**
